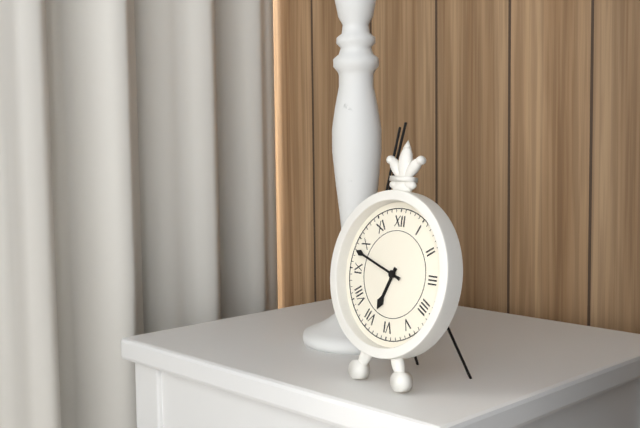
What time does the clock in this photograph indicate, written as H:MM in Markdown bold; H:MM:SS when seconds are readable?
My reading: **6:48**
